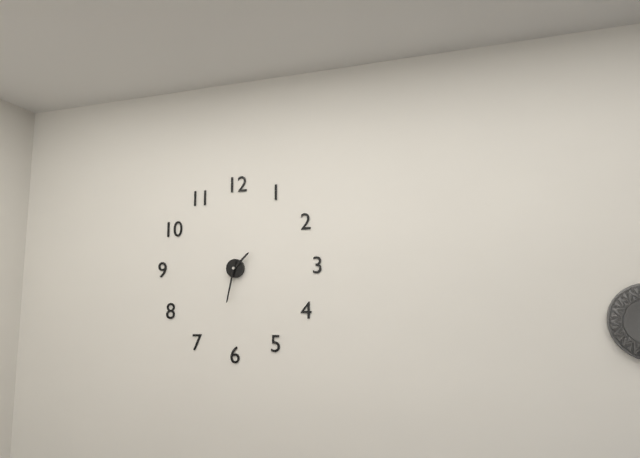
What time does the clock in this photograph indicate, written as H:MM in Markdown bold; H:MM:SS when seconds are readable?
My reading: **1:32**
